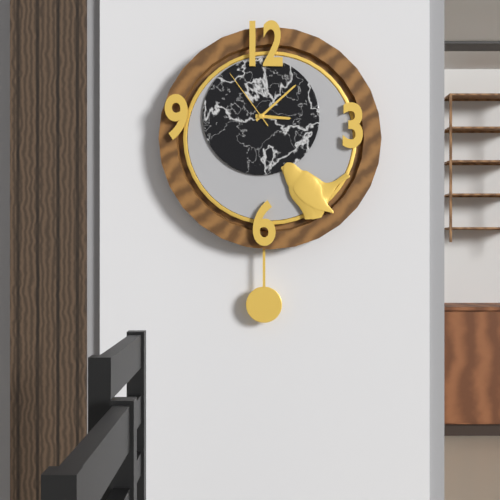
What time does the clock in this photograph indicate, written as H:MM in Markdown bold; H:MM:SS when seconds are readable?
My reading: **3:08:54**
